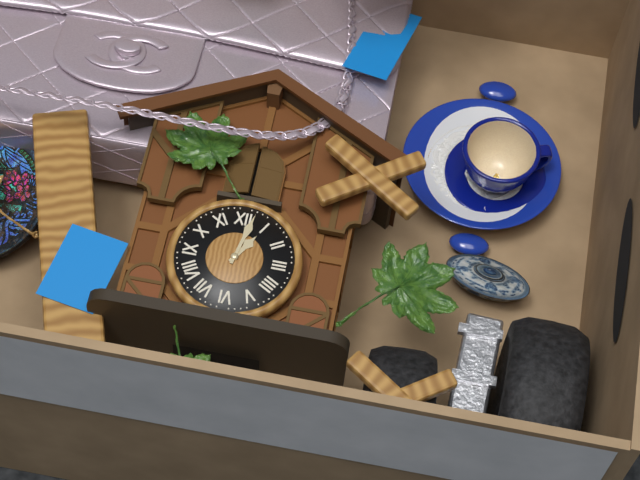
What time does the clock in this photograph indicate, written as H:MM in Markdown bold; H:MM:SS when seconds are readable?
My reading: **1:02**
